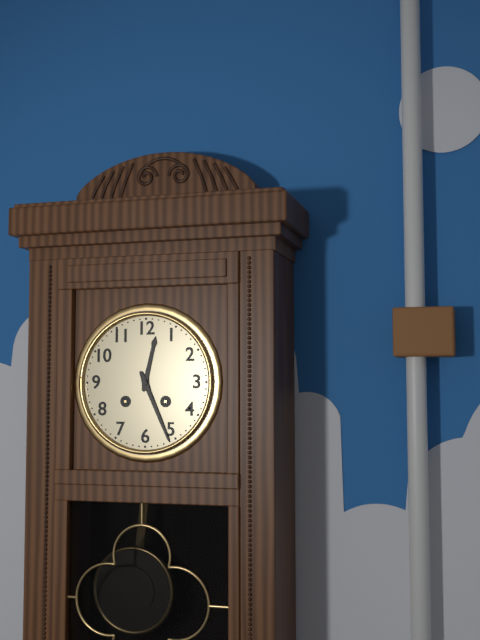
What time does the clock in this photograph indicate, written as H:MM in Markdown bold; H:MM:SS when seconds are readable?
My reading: **12:26**
